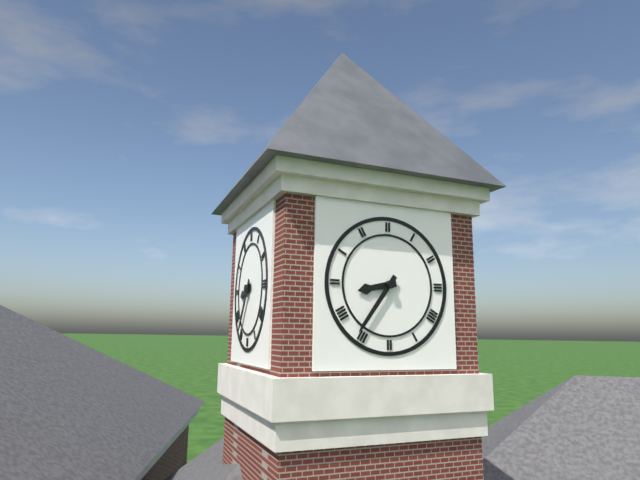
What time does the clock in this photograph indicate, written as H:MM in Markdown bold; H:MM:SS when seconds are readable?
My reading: **8:36**
